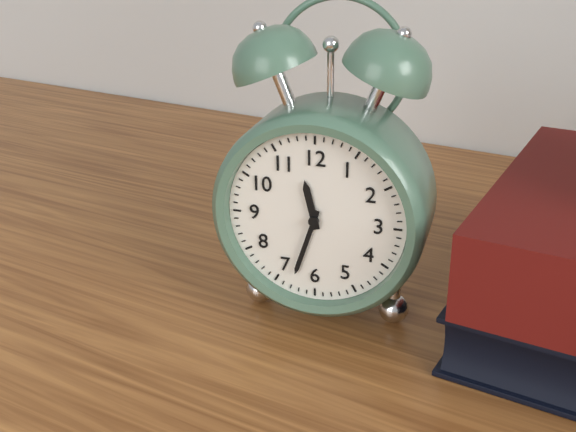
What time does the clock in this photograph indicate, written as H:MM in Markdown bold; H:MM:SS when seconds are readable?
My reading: **11:33**
